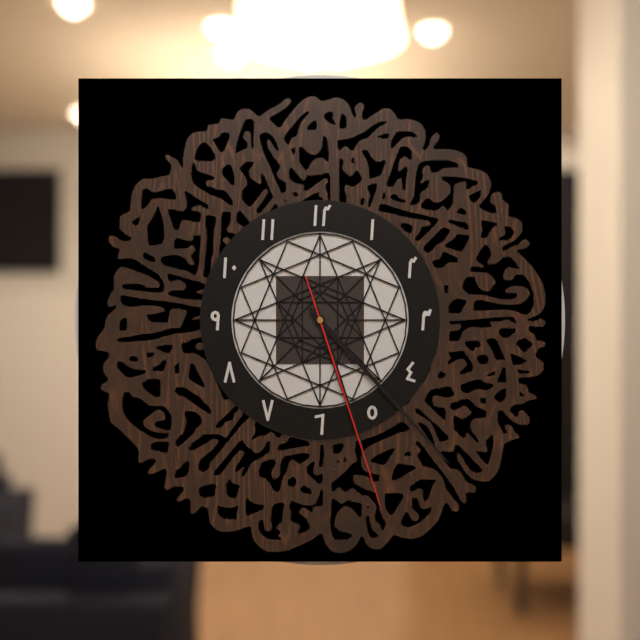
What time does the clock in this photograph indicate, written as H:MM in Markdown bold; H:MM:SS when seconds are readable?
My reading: **5:23:27**
